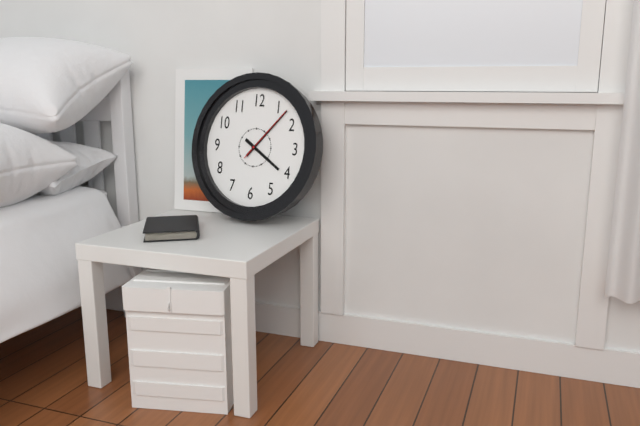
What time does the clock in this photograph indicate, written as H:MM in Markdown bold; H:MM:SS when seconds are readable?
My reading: **4:07:07**
